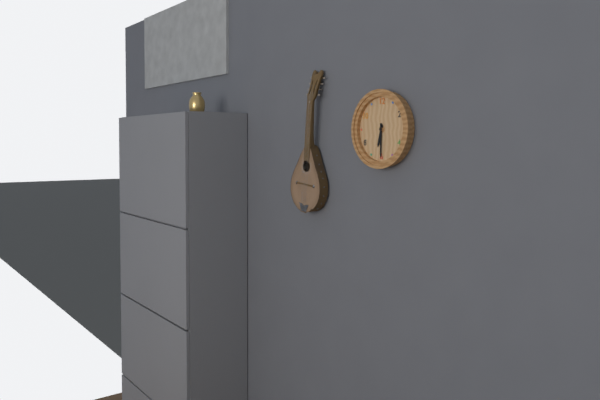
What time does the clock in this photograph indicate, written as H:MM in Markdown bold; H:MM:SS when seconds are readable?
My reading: **6:30**
